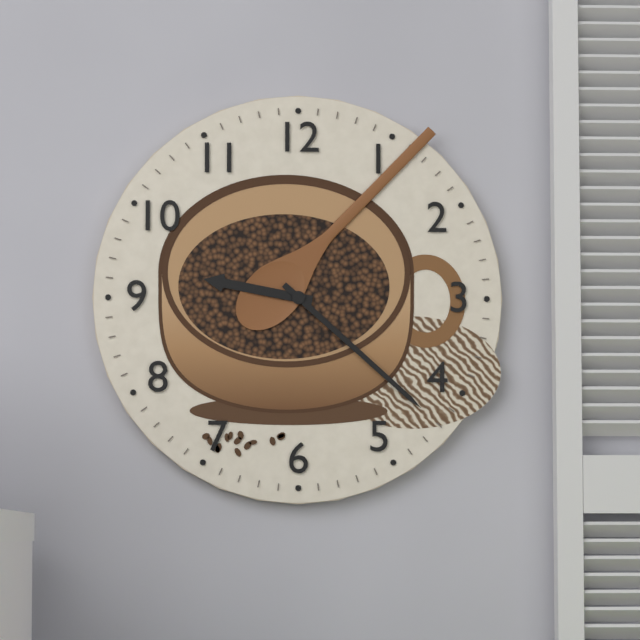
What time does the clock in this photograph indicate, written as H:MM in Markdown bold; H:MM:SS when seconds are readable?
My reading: **9:22**
